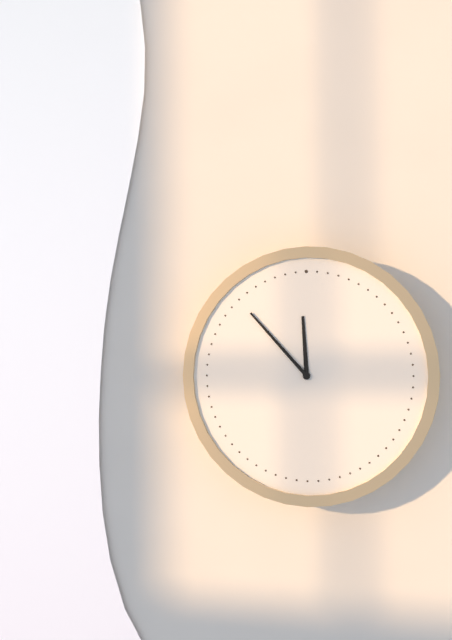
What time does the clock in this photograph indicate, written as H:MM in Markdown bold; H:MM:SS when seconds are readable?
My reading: **11:53**
